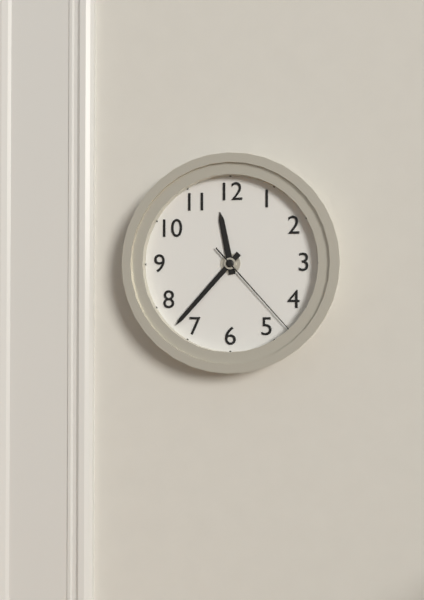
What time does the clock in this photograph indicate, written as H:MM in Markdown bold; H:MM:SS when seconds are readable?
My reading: **11:37:23**
